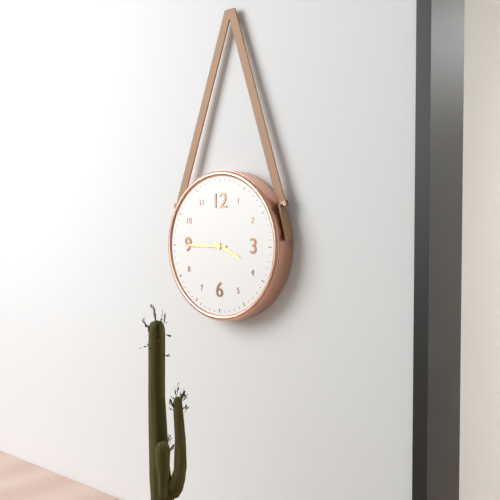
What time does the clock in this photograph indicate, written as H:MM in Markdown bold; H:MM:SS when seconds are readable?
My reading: **3:45**
